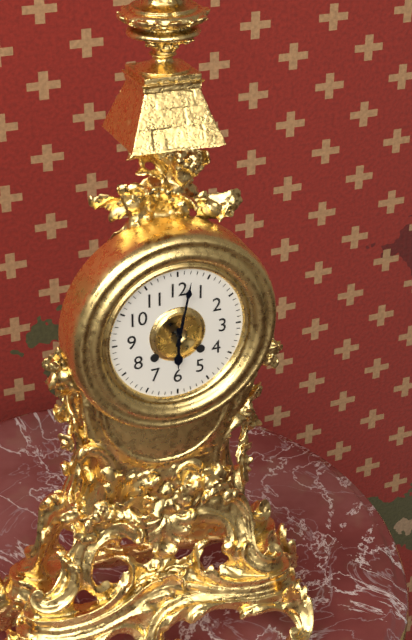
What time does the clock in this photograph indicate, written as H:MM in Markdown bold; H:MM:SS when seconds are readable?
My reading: **6:02**
